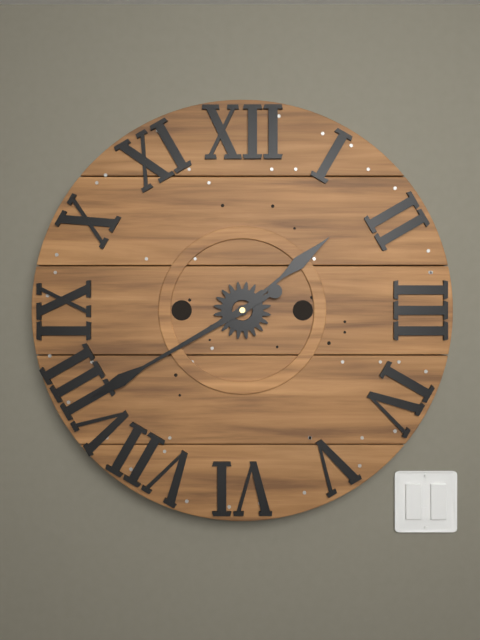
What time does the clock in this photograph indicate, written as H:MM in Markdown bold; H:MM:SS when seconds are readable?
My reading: **1:40**
